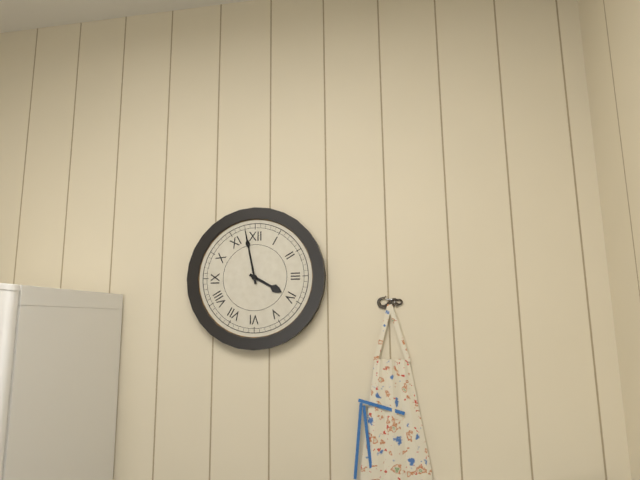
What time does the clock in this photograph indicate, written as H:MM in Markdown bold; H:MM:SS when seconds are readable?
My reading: **3:58**
